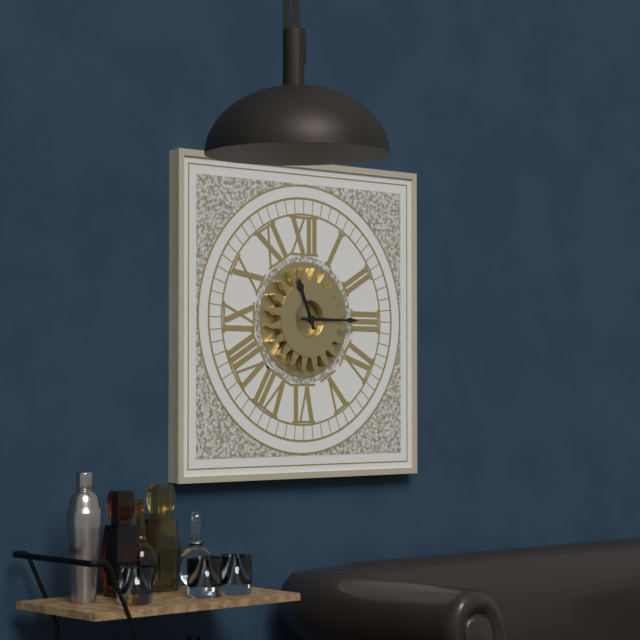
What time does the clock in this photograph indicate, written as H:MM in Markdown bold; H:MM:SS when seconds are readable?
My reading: **11:15**
